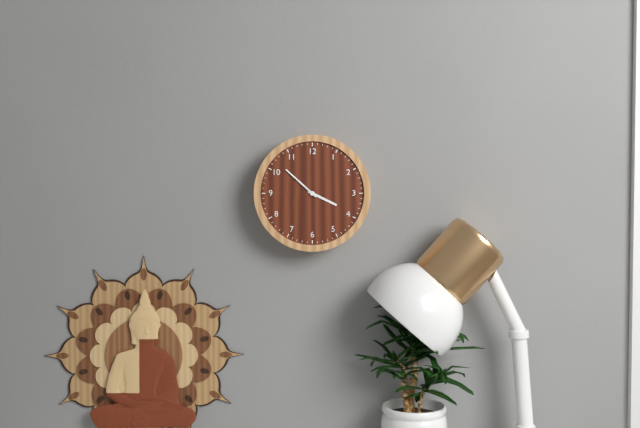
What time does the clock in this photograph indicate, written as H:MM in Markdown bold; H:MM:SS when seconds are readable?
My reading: **3:52**
